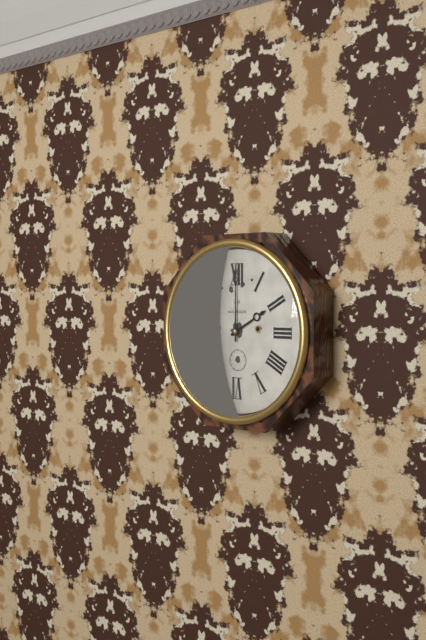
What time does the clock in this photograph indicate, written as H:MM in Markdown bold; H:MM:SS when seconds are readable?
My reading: **2:00**
